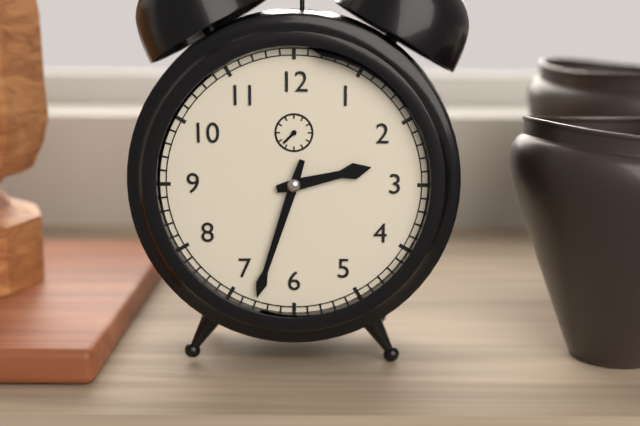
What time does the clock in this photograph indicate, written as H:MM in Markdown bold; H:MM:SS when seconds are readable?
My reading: **2:33**
